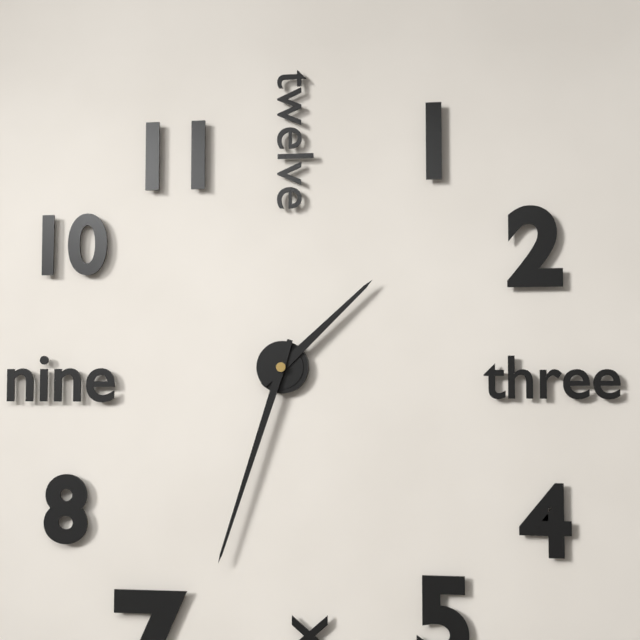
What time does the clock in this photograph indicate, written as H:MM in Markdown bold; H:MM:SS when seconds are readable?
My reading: **1:33**
